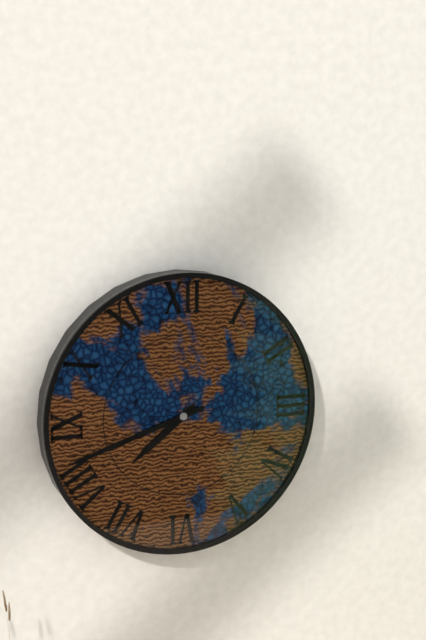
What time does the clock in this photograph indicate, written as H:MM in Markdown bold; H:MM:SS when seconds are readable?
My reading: **7:42**
